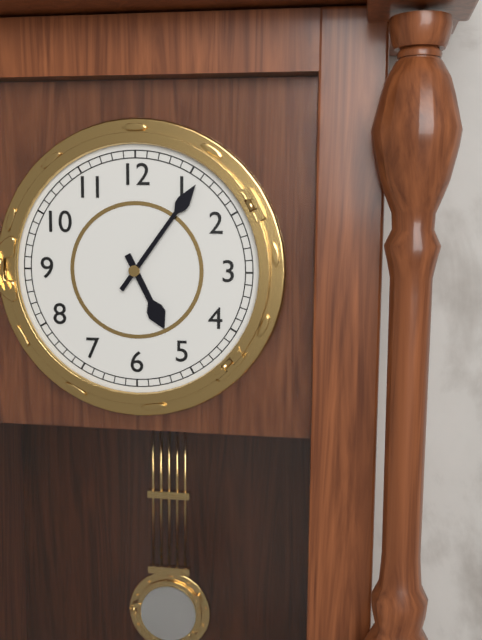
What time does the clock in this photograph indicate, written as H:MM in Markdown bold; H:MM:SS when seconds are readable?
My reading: **5:06**
